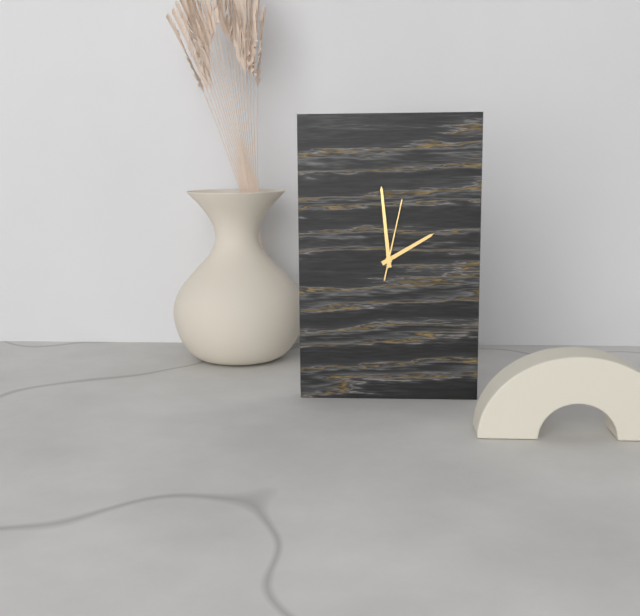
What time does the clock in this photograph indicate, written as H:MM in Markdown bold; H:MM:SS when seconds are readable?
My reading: **1:59:02**
